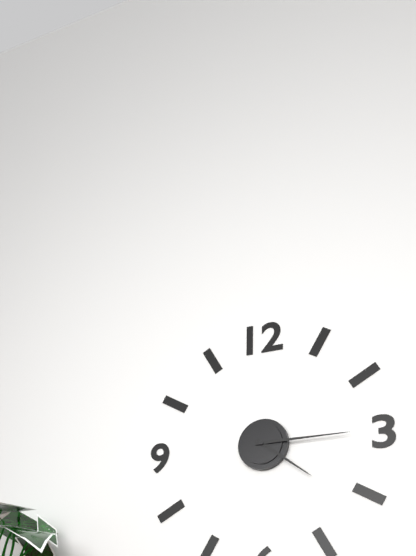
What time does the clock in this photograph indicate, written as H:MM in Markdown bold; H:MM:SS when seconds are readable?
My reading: **4:15**
